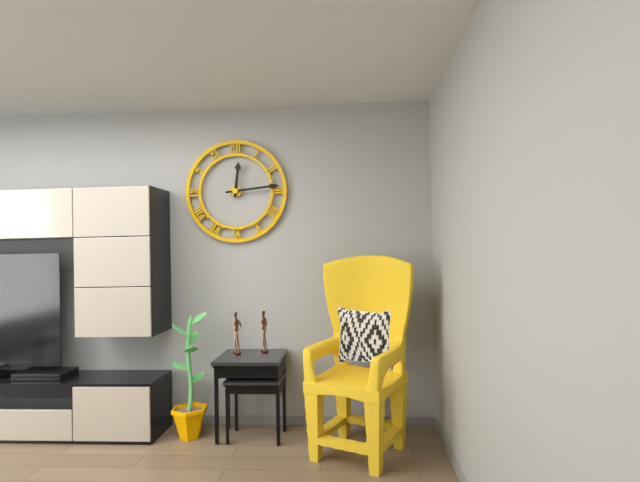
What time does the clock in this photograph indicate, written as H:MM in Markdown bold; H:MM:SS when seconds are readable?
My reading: **12:14**
